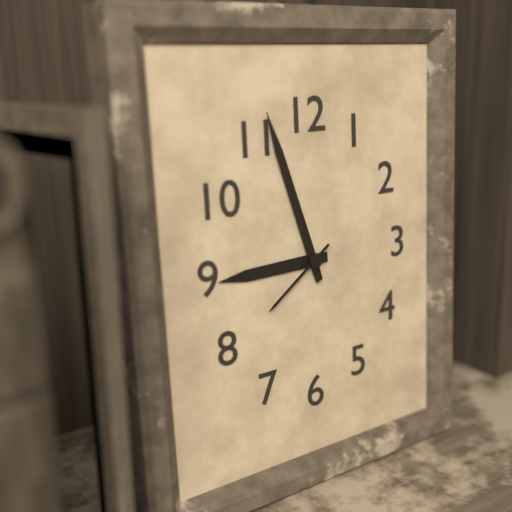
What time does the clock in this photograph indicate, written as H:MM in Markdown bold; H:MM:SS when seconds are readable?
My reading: **8:57:39**
